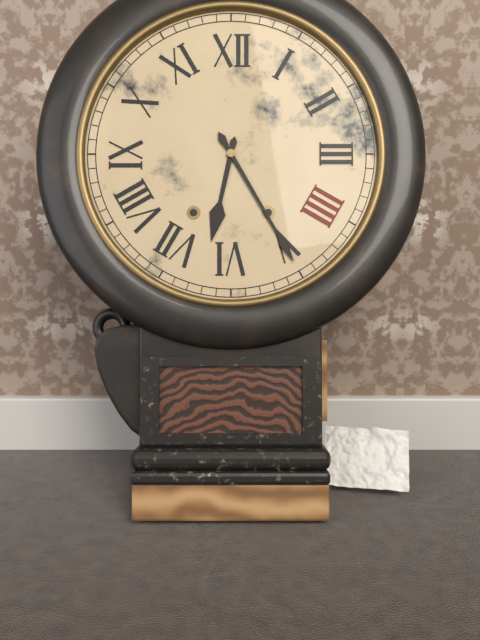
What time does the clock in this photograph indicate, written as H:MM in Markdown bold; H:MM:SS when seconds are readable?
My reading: **6:25**
